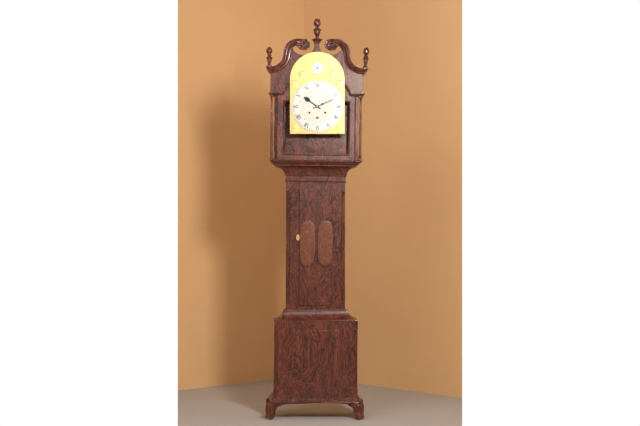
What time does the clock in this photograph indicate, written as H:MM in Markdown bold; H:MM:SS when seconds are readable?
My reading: **10:11**
